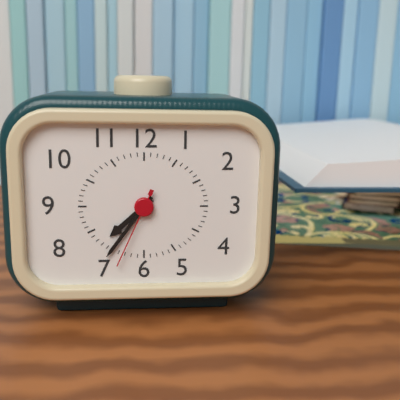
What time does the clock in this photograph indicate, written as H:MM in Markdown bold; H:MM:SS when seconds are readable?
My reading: **7:36:34**
